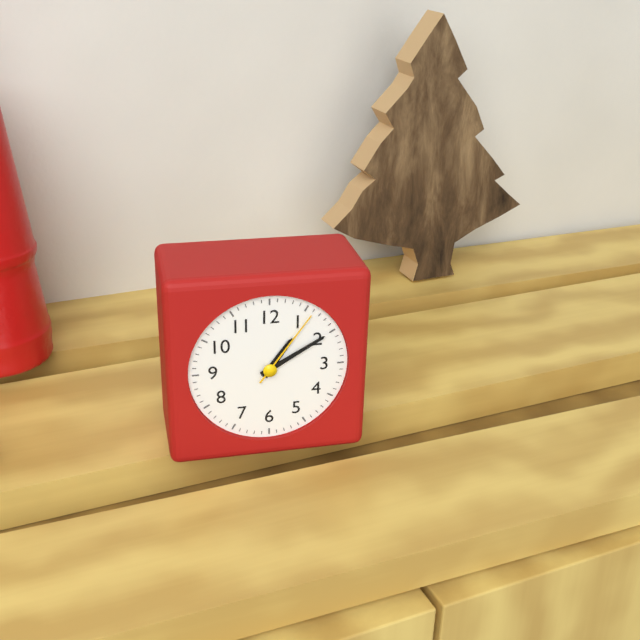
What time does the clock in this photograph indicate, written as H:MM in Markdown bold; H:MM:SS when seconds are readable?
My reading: **1:10:06**
